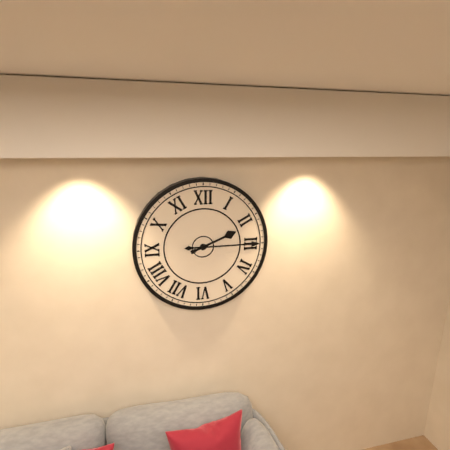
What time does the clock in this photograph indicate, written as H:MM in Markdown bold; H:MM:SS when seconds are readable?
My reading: **2:15**
